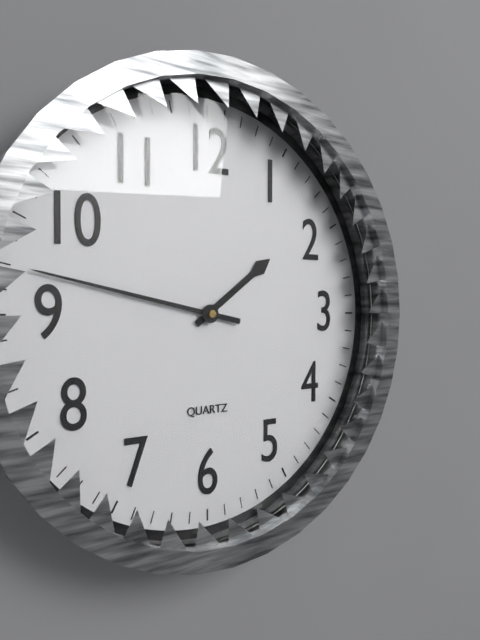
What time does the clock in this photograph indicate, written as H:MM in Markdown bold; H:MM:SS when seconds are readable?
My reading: **1:47**
